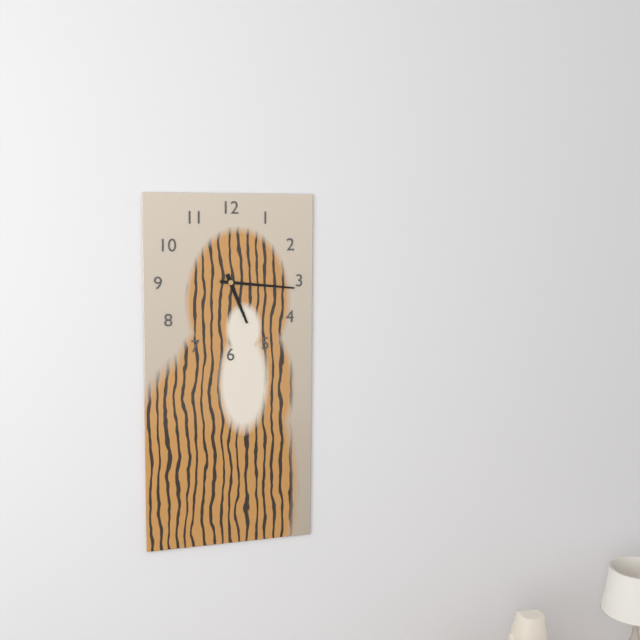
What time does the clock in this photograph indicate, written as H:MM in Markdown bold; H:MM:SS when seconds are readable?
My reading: **5:16**
